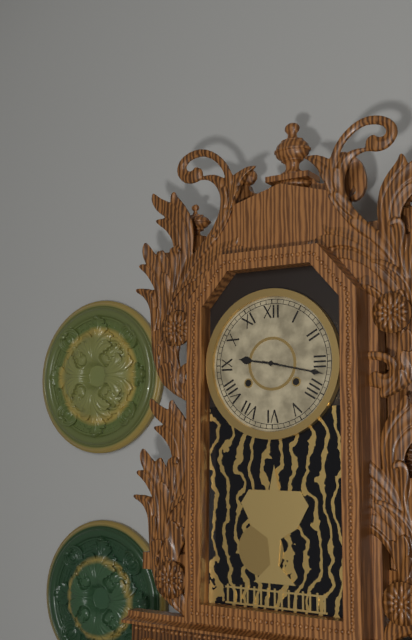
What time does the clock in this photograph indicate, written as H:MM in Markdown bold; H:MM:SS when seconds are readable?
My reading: **9:17**
